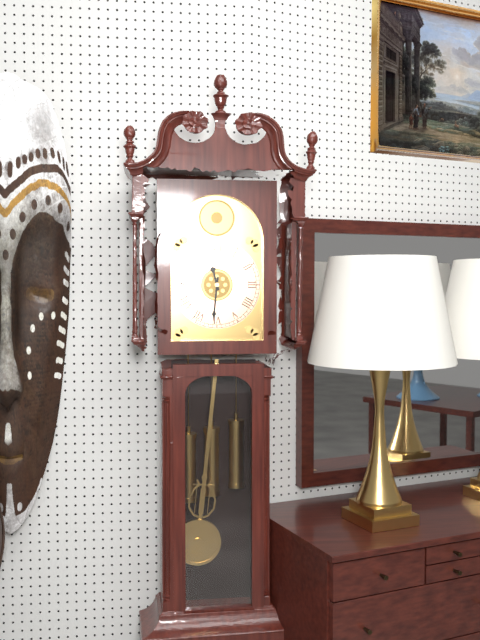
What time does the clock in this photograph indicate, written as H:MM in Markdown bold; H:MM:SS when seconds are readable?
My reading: **11:31**
